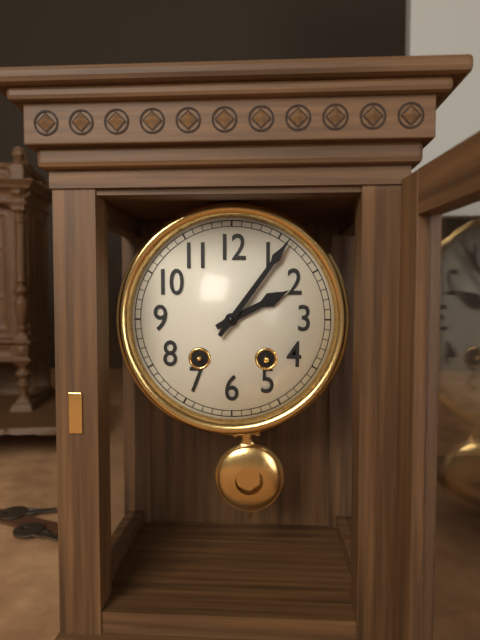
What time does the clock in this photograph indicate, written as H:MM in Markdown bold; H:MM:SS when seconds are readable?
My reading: **2:06**
